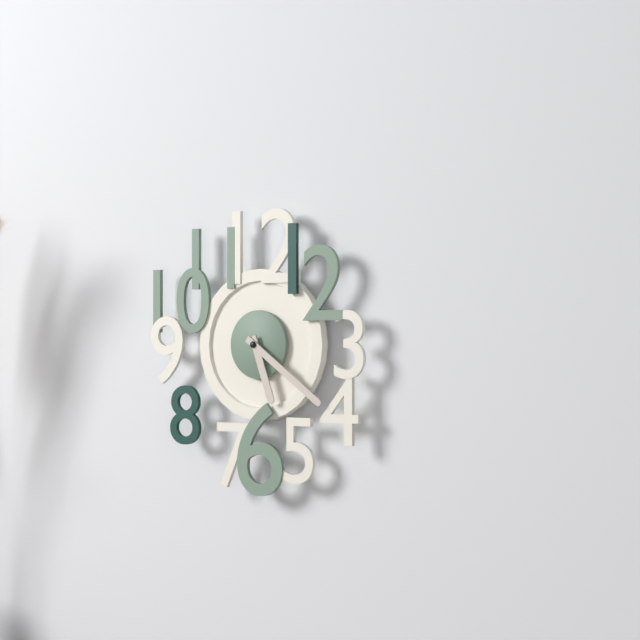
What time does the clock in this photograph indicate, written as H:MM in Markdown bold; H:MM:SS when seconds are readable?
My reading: **5:21**
